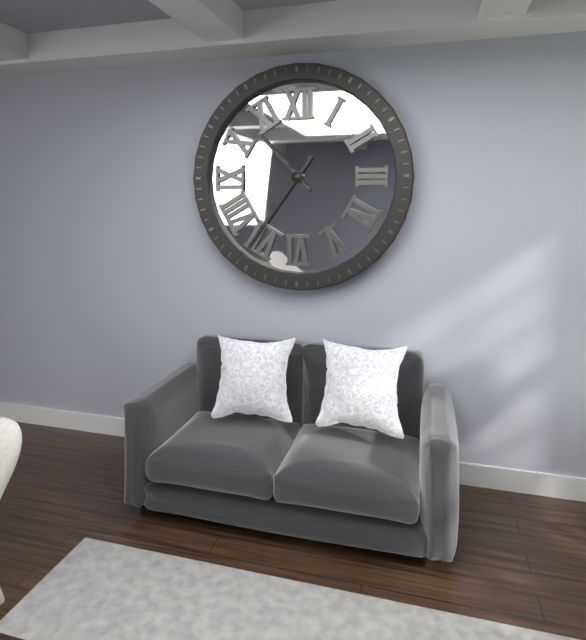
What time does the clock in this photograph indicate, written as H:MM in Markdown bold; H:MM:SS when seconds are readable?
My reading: **10:36**
